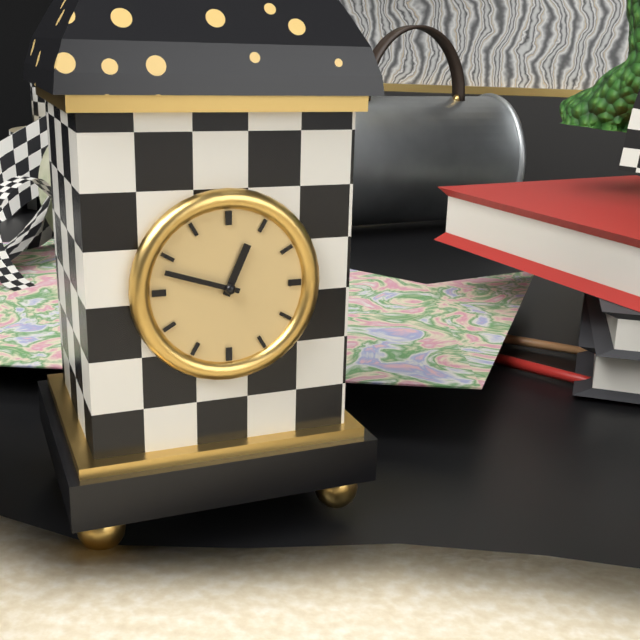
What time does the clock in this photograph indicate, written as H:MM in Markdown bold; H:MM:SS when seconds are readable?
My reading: **12:48**
